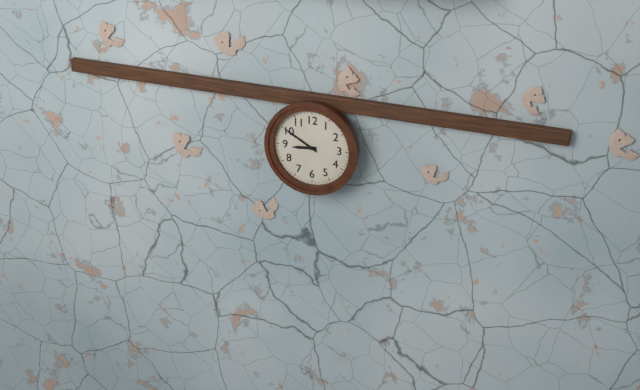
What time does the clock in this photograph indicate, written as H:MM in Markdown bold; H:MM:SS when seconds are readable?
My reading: **8:50**
